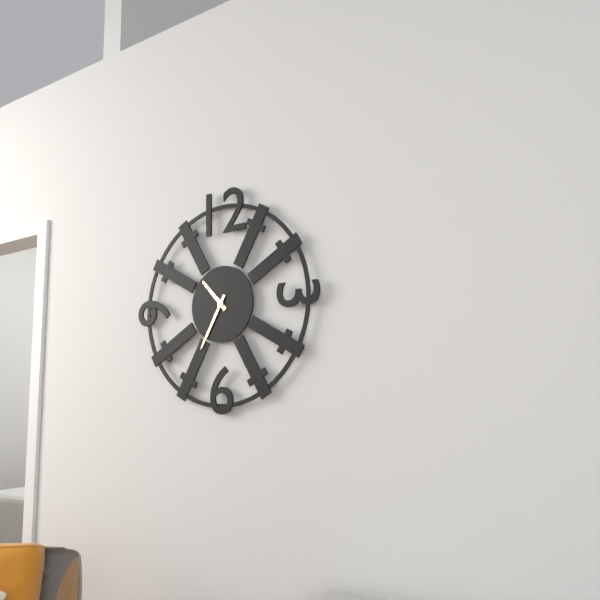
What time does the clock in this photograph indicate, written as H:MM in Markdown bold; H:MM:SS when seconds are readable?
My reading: **10:35**
